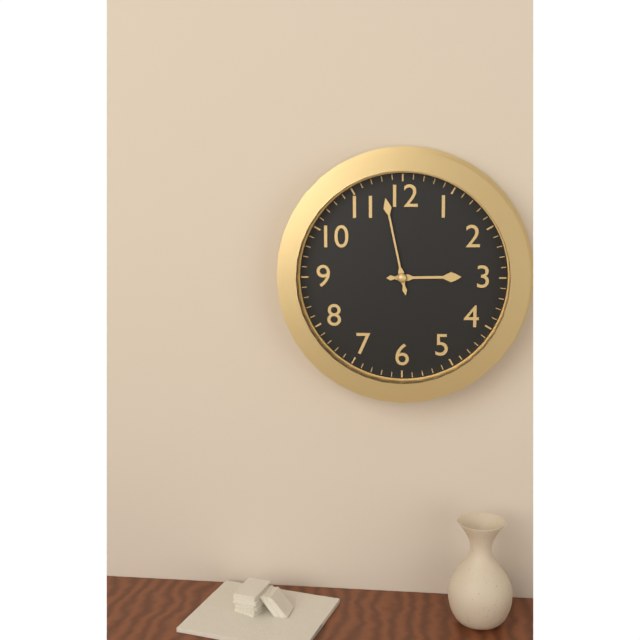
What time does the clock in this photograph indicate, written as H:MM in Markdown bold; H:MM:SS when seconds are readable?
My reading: **2:58**
